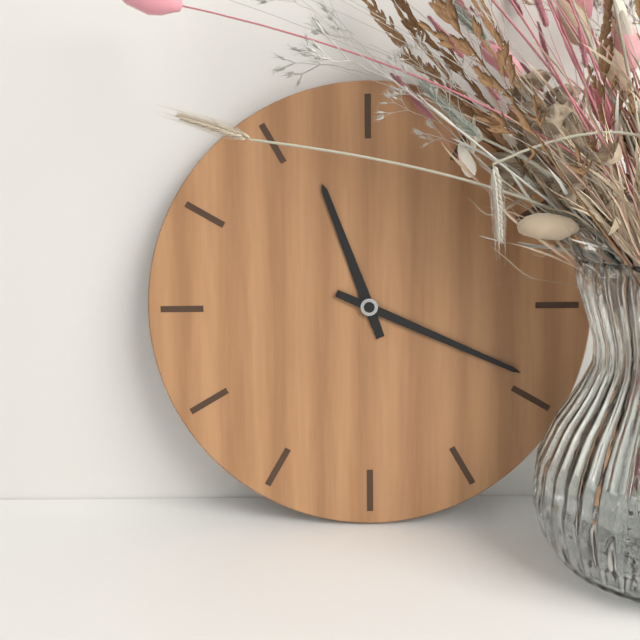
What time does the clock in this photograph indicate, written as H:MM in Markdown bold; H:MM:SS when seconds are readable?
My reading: **11:19**
